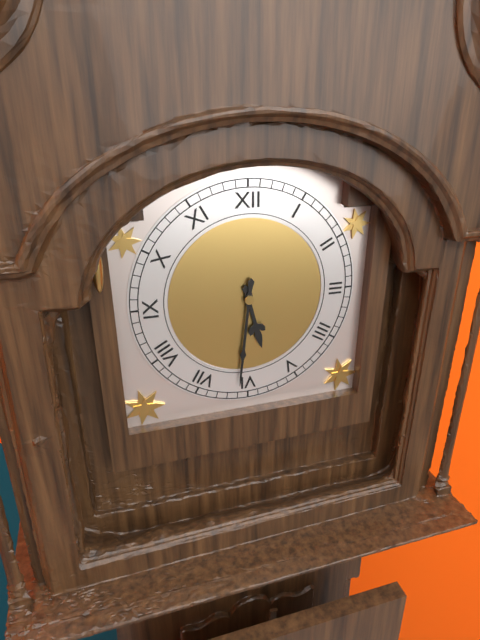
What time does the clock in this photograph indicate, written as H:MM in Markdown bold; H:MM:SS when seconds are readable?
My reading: **5:31**
